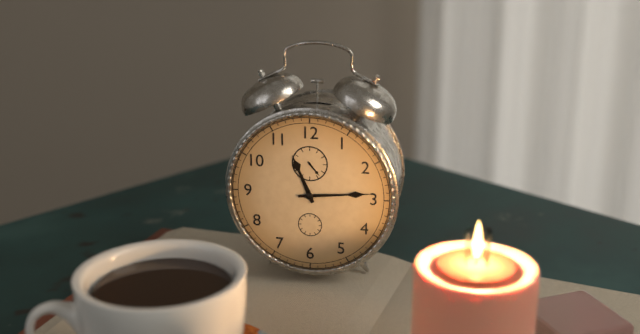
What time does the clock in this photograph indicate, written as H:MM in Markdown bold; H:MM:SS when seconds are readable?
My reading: **11:14**
